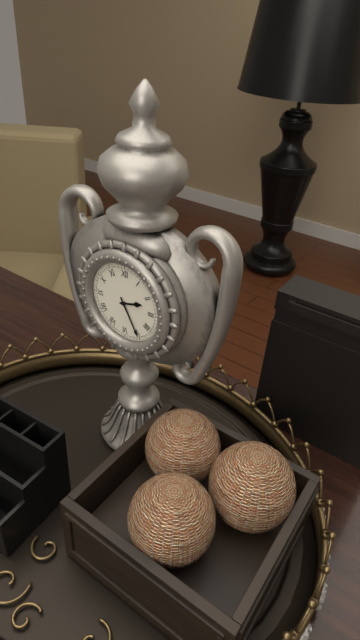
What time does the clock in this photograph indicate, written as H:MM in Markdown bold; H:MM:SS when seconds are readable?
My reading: **2:25**
